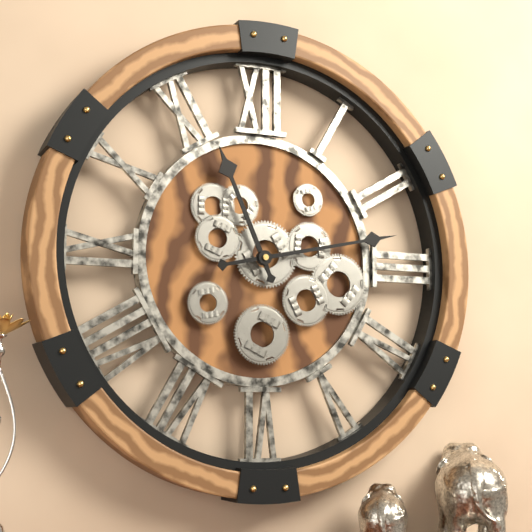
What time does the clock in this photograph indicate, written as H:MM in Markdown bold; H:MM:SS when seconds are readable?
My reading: **11:13**
